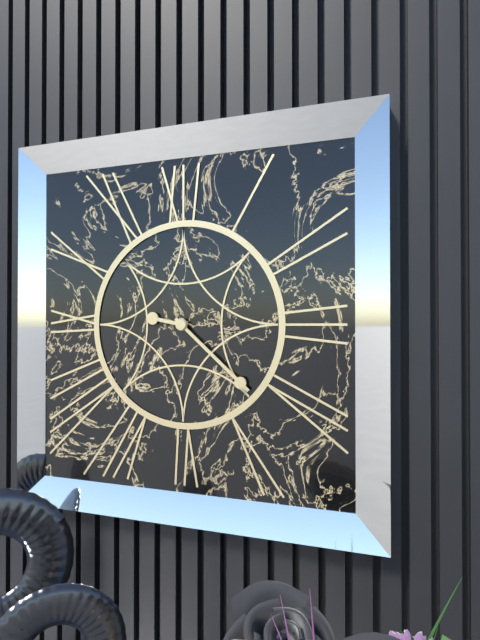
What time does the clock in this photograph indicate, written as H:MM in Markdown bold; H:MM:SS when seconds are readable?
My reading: **9:22**
